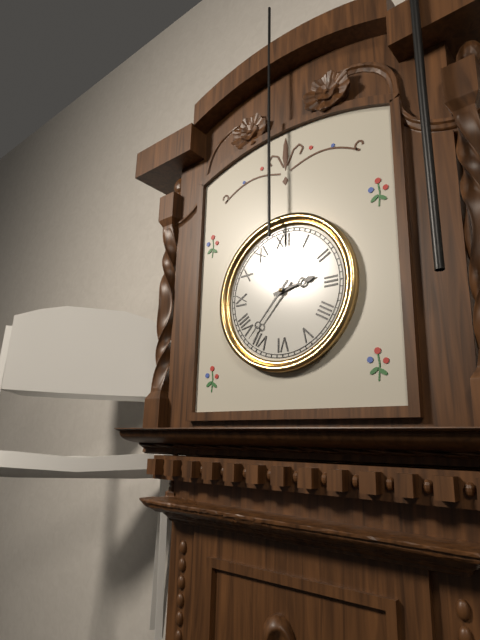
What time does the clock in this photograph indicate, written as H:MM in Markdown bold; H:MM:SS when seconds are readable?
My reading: **2:37**
